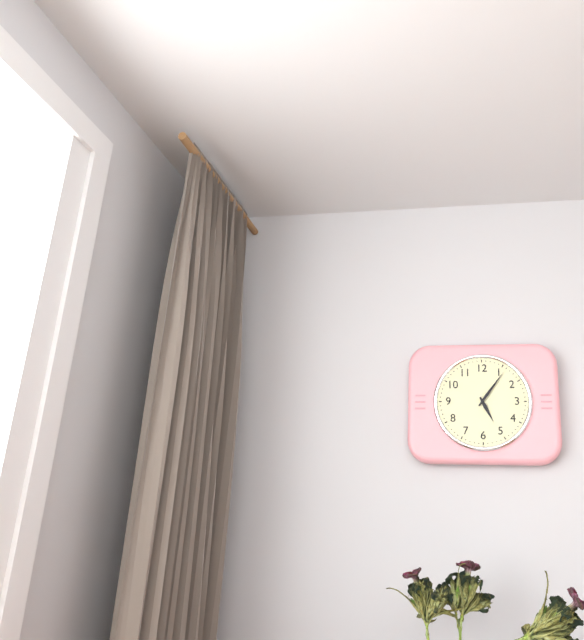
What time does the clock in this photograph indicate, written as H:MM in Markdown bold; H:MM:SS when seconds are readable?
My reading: **5:06**
